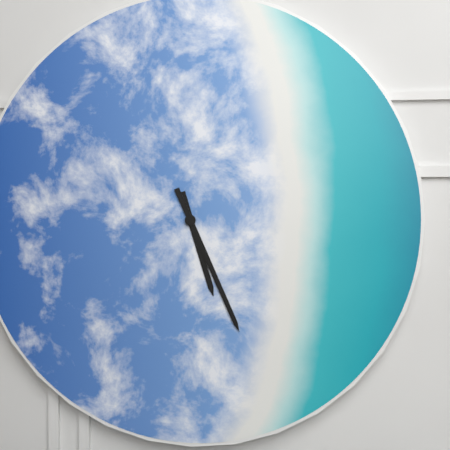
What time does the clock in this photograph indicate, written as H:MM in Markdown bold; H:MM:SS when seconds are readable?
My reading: **5:26**
